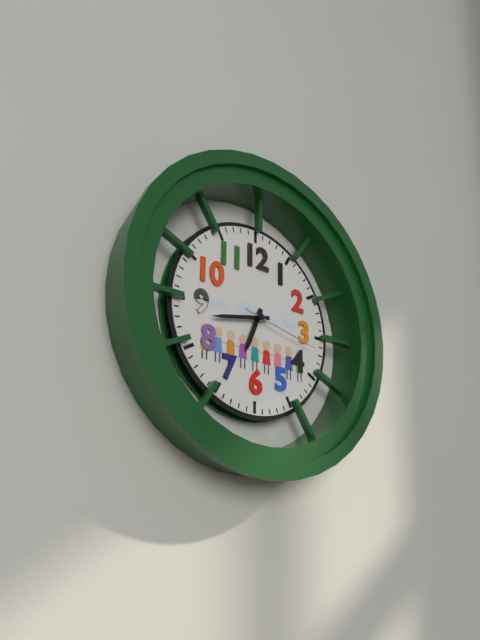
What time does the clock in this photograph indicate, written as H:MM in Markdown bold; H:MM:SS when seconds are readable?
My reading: **6:43:17**
